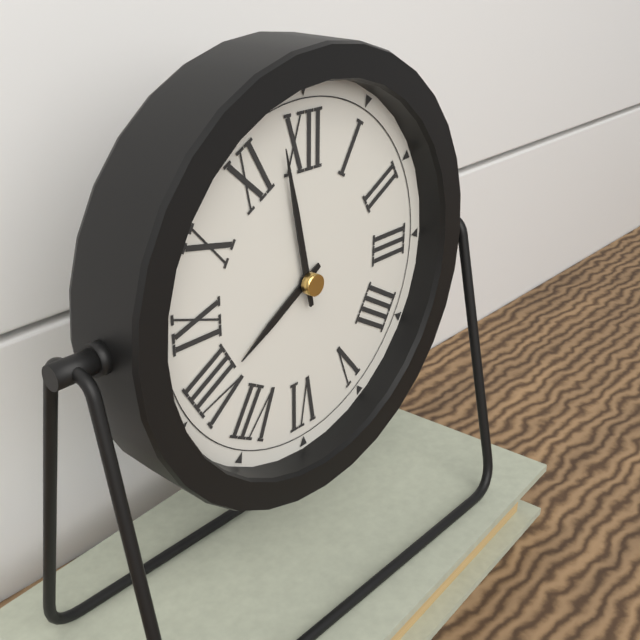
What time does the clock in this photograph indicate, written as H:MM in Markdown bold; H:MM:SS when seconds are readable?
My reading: **7:58**
